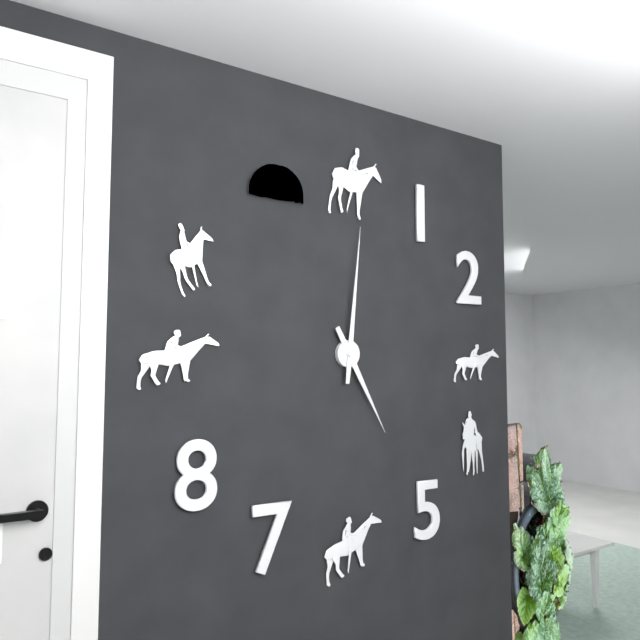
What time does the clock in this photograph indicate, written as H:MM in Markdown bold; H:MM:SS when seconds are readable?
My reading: **5:01**
